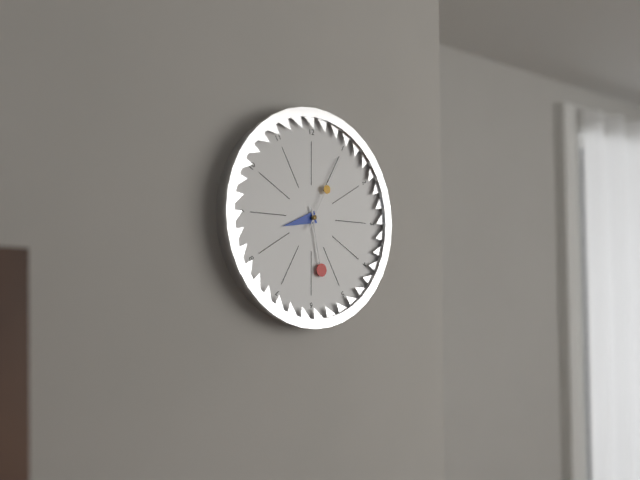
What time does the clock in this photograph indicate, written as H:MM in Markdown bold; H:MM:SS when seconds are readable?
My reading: **8:28:05**
